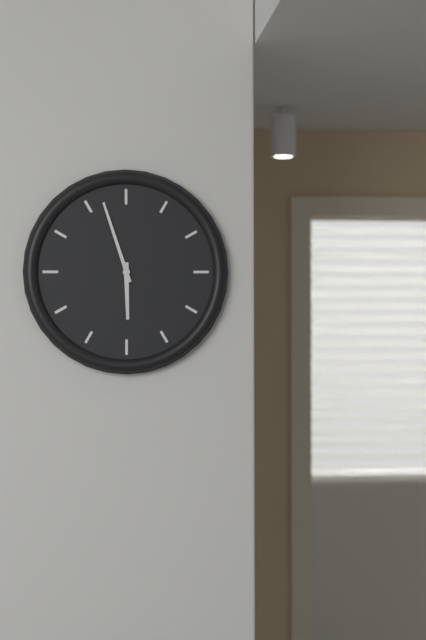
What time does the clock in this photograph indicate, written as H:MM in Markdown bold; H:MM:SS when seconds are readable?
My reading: **5:57**
